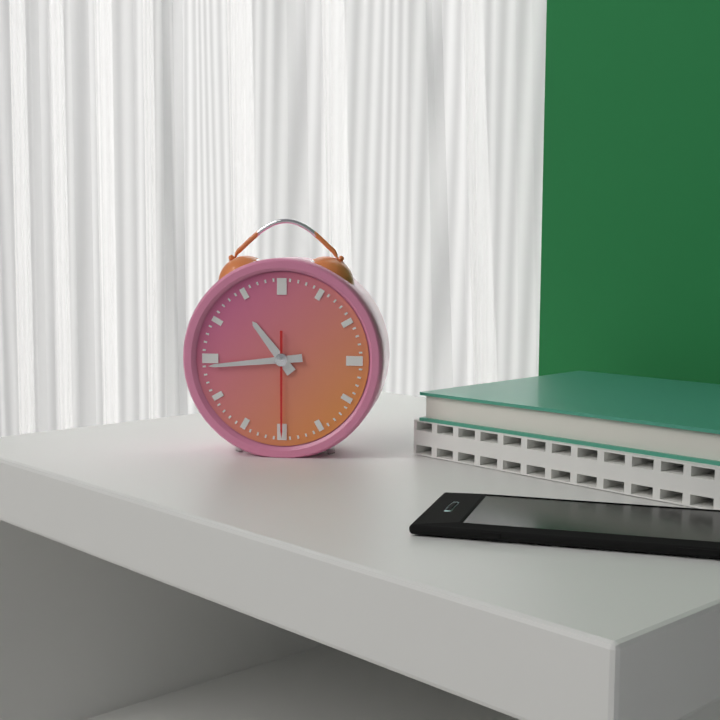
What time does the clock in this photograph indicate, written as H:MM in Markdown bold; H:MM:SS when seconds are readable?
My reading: **10:44:30**
